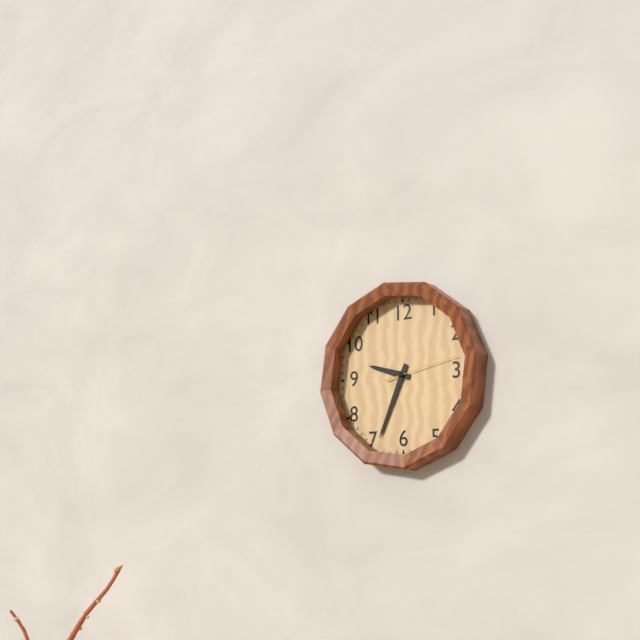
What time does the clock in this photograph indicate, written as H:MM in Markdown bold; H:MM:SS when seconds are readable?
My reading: **9:34:13**
